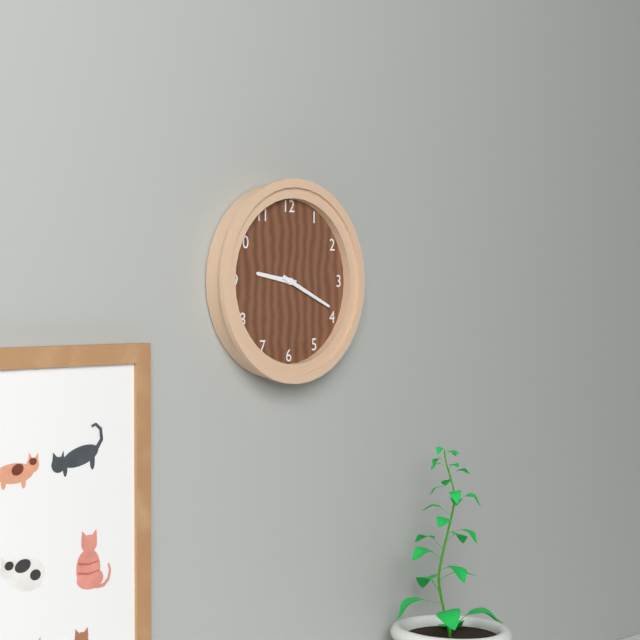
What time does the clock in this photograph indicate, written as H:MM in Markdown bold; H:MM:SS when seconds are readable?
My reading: **9:19**
